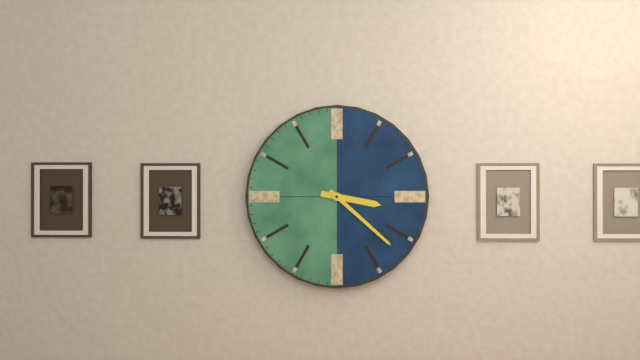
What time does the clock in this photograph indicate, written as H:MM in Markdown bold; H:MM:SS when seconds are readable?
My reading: **3:22**
